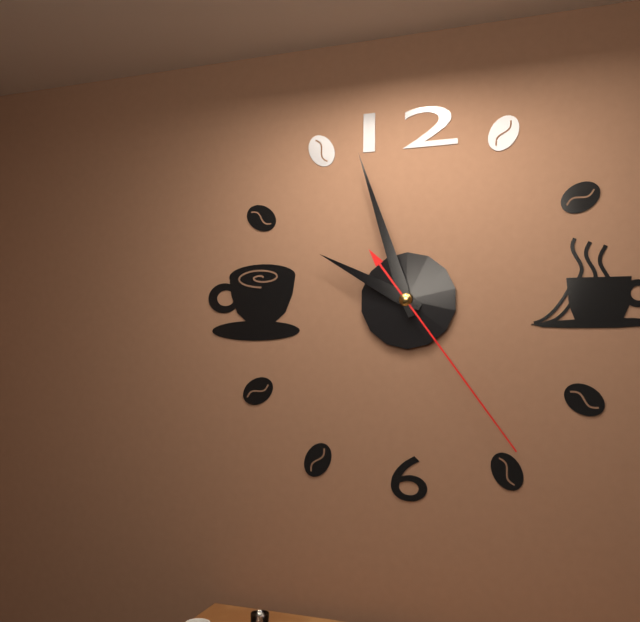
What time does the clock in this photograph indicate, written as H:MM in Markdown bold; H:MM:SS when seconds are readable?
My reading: **9:57:24**
